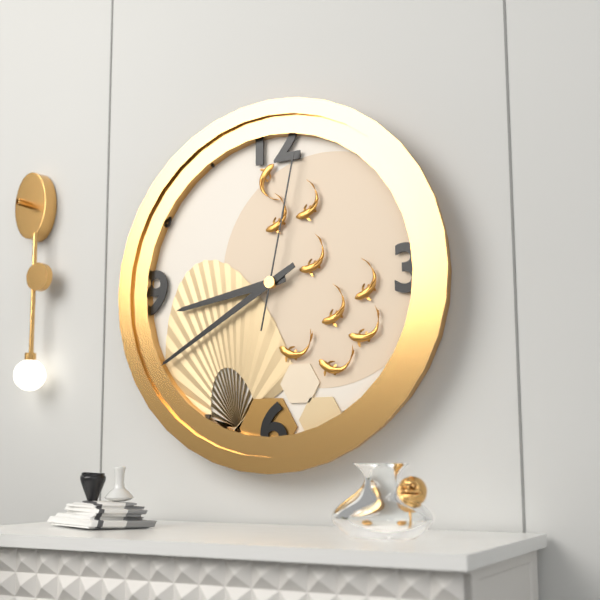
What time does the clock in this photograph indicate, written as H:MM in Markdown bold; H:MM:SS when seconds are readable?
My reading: **8:40:02**
